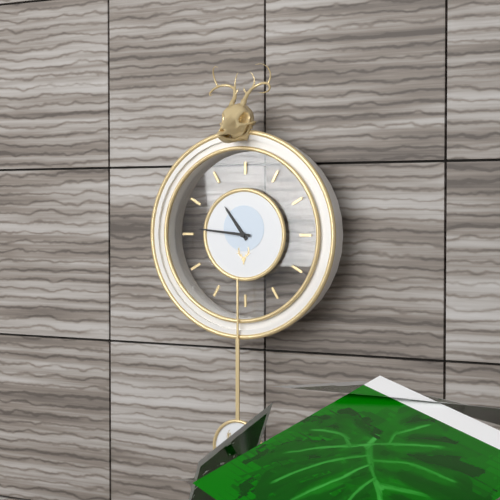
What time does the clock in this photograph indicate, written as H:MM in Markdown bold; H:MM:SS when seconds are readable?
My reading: **10:46**
